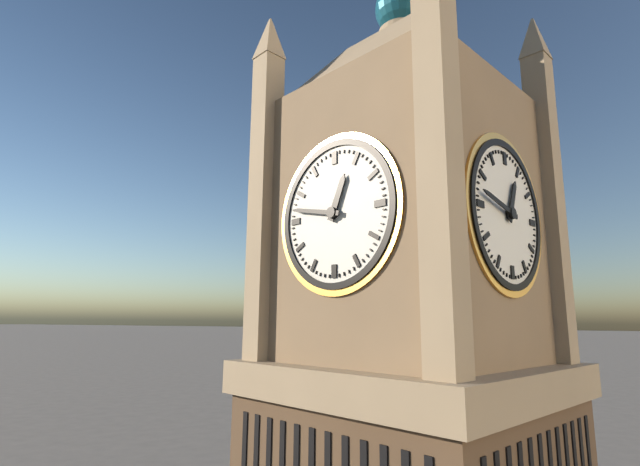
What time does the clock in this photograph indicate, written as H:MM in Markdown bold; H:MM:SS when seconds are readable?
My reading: **12:47**
